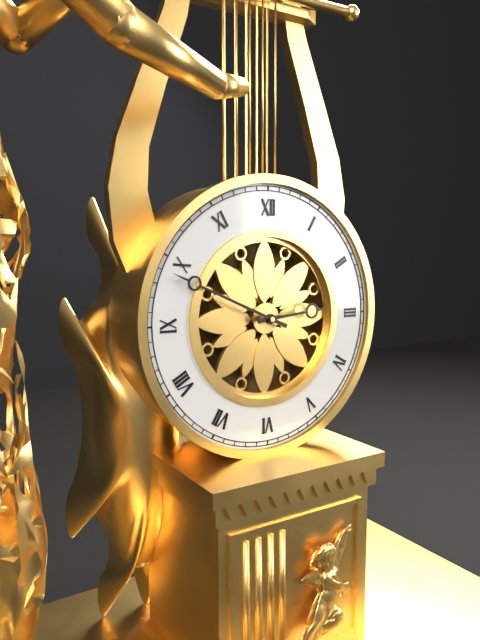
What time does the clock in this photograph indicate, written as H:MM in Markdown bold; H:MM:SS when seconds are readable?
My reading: **2:49**
